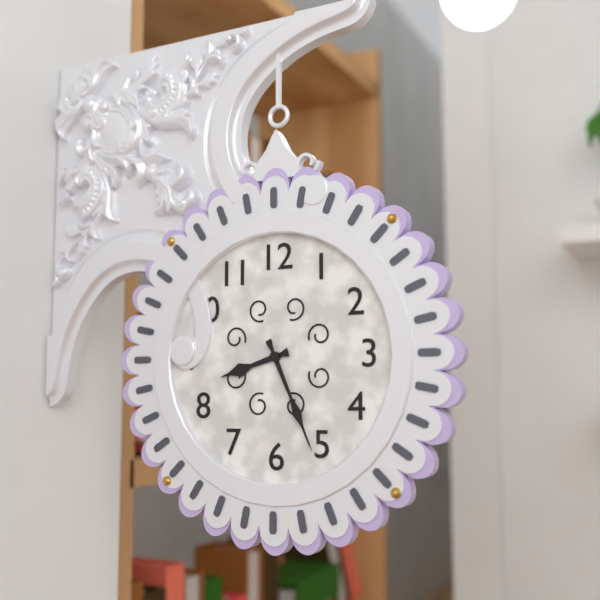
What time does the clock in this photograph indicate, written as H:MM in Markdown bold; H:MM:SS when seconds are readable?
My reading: **8:26**
